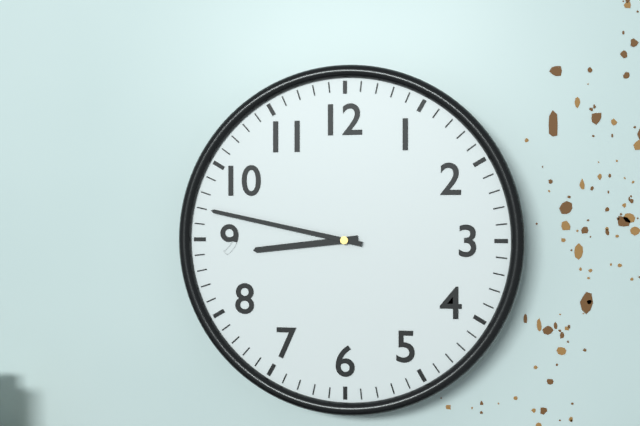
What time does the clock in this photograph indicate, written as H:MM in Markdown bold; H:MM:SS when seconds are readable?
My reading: **8:47**
